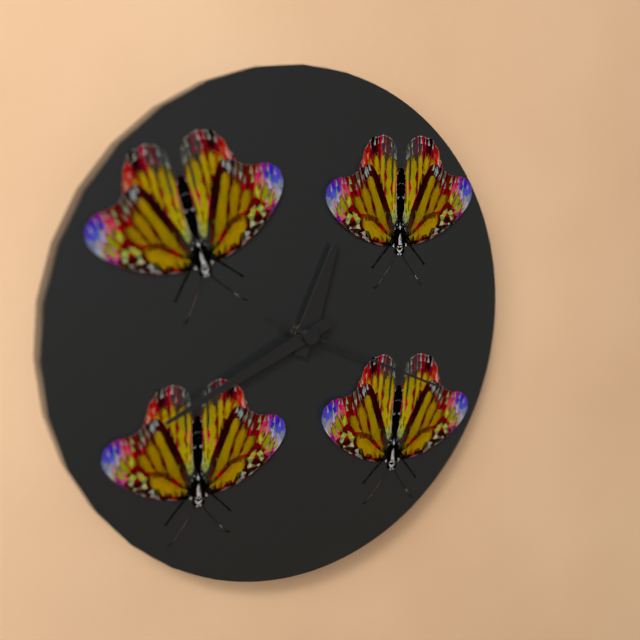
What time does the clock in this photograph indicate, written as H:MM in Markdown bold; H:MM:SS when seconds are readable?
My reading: **12:41:19**
